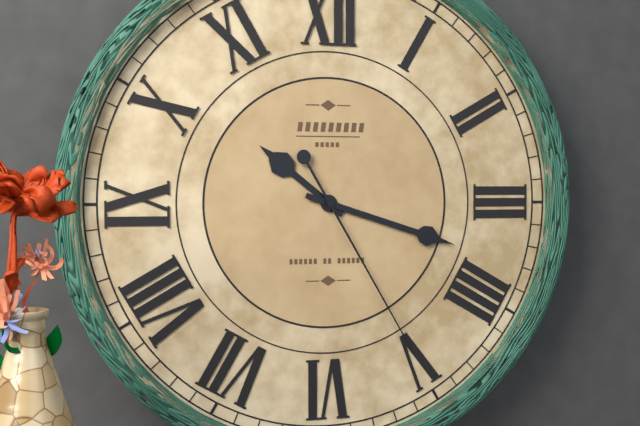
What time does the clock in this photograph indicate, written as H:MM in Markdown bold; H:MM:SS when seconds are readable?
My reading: **10:18:25**
